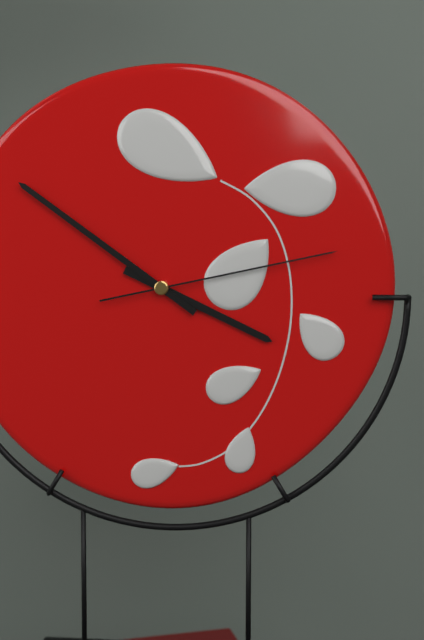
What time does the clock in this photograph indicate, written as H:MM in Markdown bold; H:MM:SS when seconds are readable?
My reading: **3:51:13**
